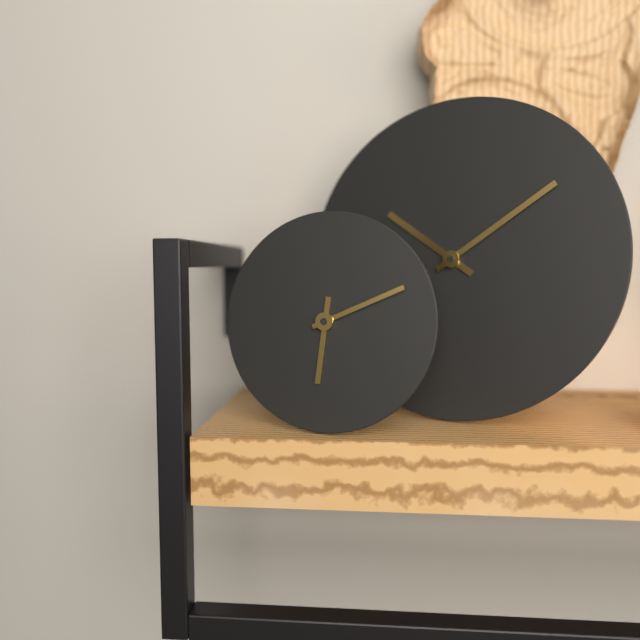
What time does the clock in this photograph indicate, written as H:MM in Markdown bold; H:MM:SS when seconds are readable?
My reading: **6:11**
